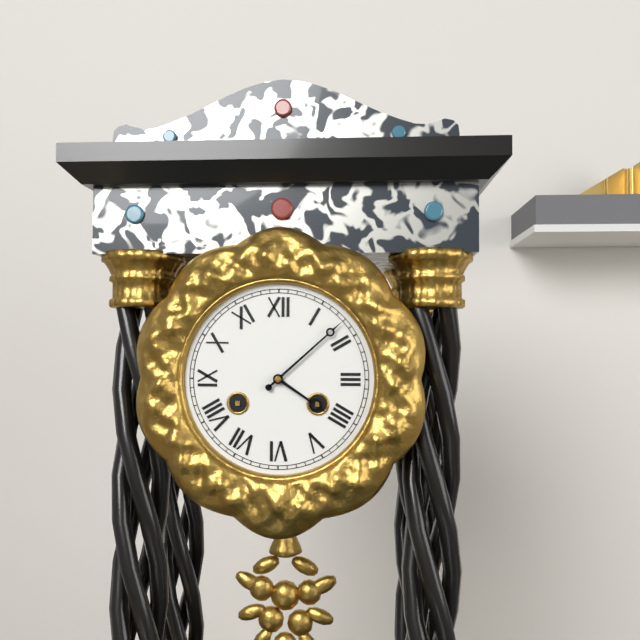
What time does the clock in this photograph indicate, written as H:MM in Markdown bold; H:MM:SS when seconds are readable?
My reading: **4:08**
